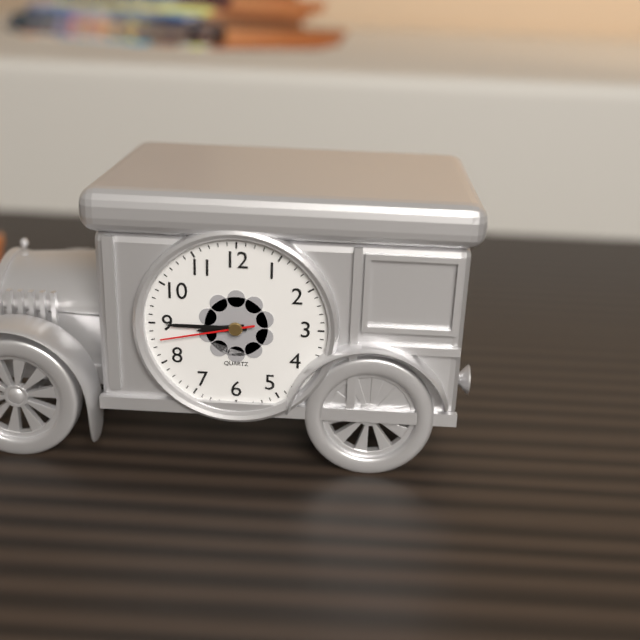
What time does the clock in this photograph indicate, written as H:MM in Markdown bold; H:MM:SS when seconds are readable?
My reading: **8:45:43**
